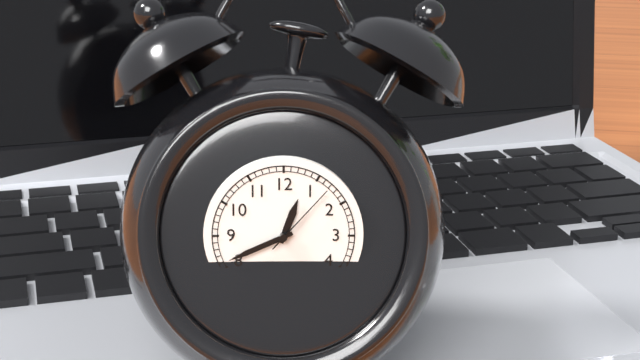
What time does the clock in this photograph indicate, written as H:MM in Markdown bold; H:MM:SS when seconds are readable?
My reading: **12:41:07**
